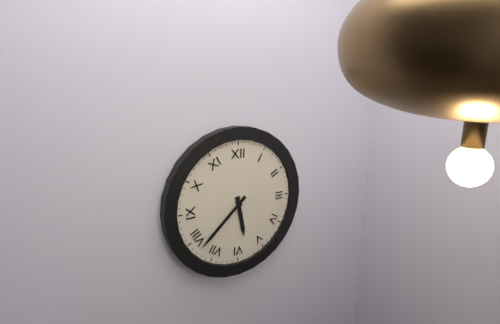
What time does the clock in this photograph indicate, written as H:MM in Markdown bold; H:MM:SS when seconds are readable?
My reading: **5:38**
